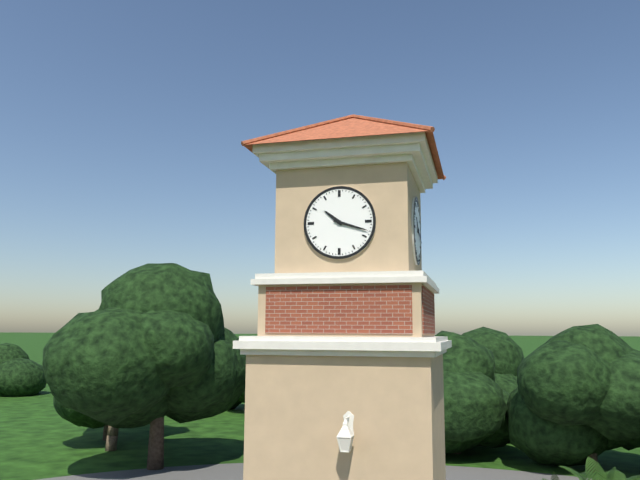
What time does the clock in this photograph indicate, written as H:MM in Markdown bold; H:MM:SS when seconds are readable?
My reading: **10:18**
